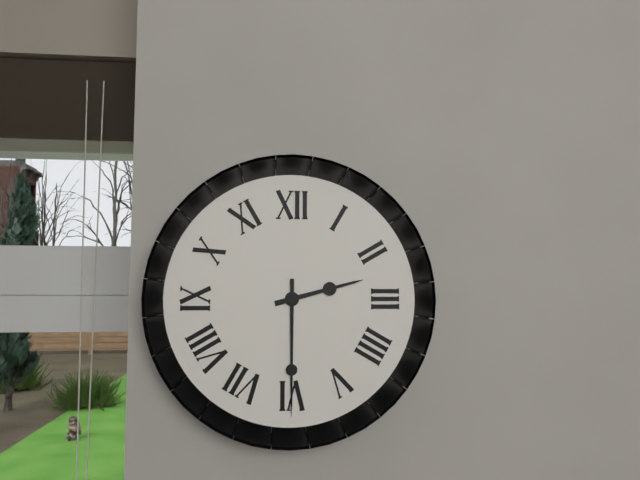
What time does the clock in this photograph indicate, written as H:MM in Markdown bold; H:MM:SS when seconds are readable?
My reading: **2:30**
